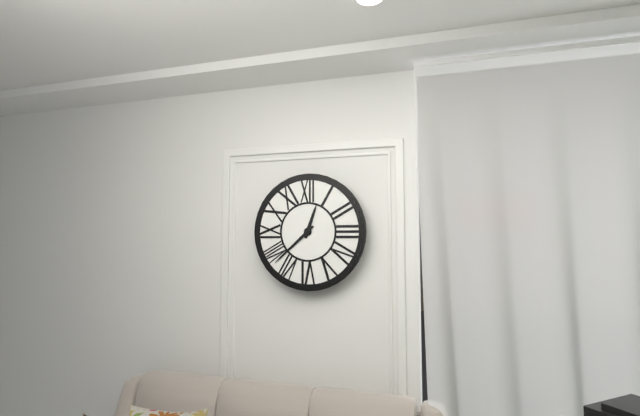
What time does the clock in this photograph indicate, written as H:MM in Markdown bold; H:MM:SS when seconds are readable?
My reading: **12:38**
